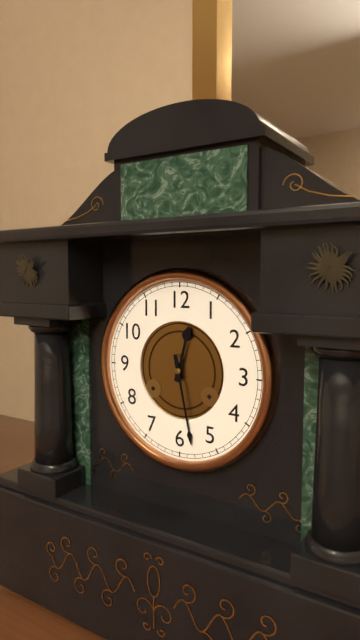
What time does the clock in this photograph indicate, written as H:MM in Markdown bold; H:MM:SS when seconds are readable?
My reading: **12:28**
